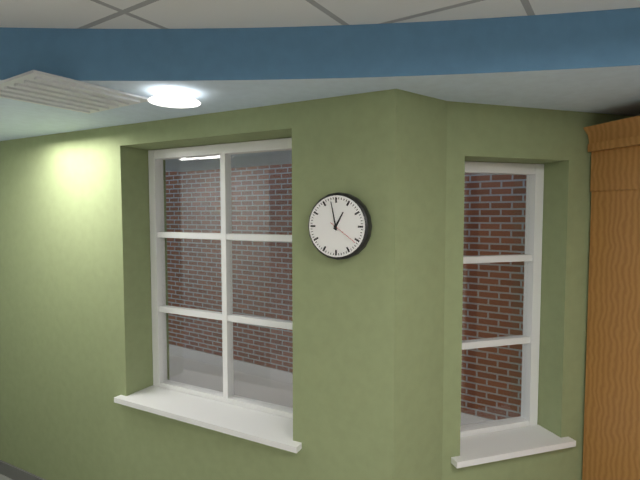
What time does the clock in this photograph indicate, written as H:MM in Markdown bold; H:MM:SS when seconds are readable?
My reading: **12:58**
